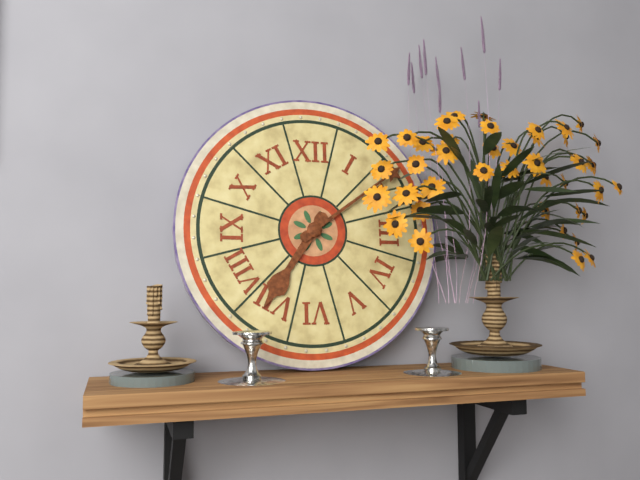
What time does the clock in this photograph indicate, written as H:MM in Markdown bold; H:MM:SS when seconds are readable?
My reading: **7:09**
